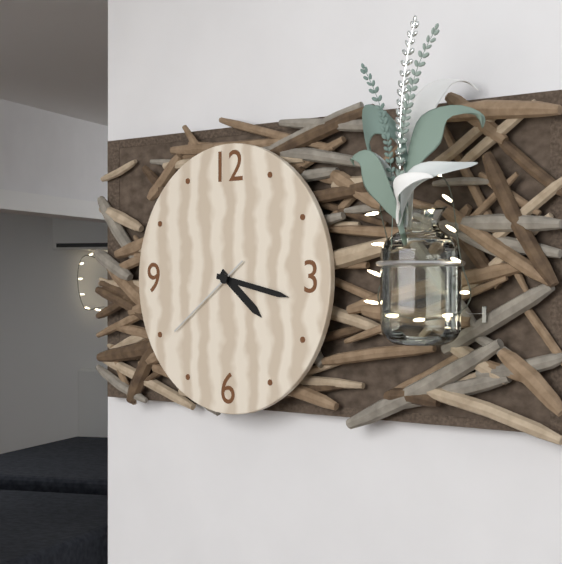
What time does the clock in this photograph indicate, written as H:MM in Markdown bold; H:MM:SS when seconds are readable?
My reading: **4:17:39**
